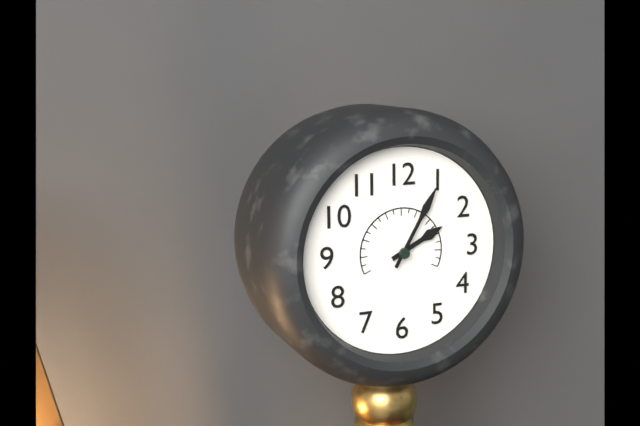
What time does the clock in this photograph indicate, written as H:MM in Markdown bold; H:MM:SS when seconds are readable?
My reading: **2:05**
